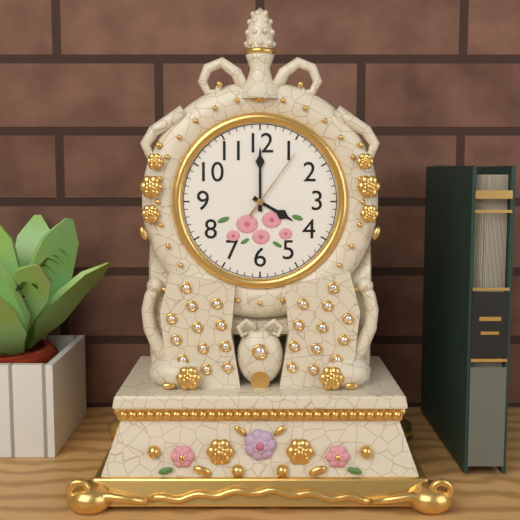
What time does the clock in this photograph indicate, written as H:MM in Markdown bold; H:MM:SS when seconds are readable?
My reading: **4:00:06**
